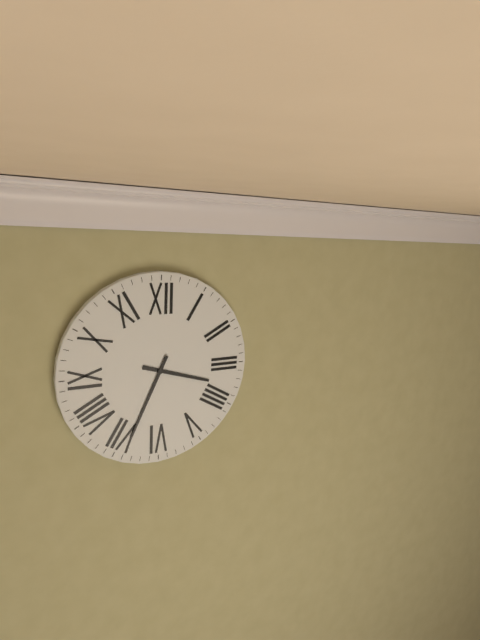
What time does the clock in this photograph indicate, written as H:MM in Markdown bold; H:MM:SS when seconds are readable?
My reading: **3:34**
